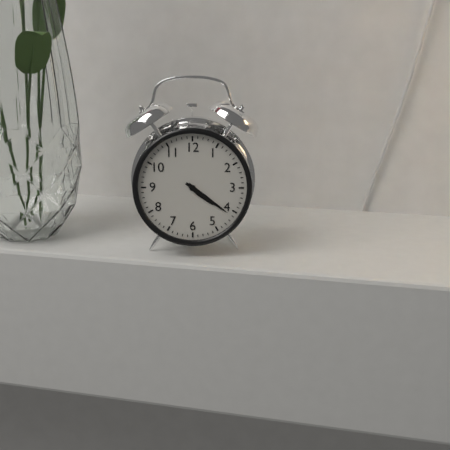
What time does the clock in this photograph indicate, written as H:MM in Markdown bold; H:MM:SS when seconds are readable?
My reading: **4:21**
